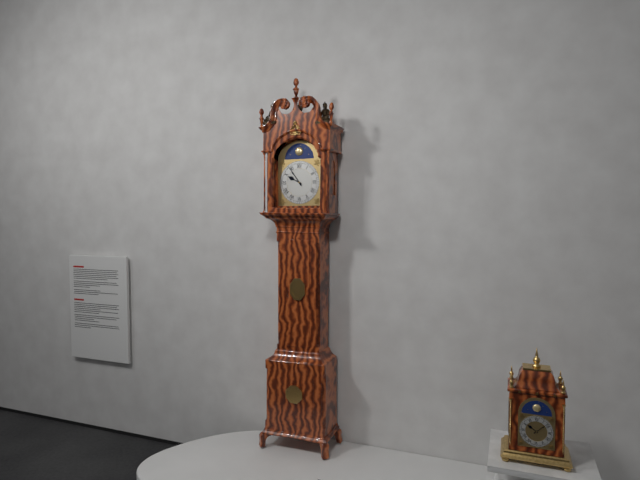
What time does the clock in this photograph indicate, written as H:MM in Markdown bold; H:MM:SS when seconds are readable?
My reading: **9:54**
